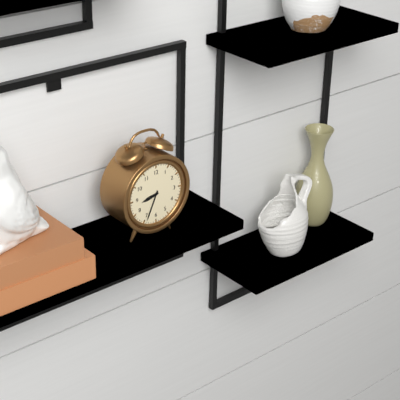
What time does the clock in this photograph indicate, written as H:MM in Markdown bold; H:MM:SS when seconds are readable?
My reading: **8:34**
